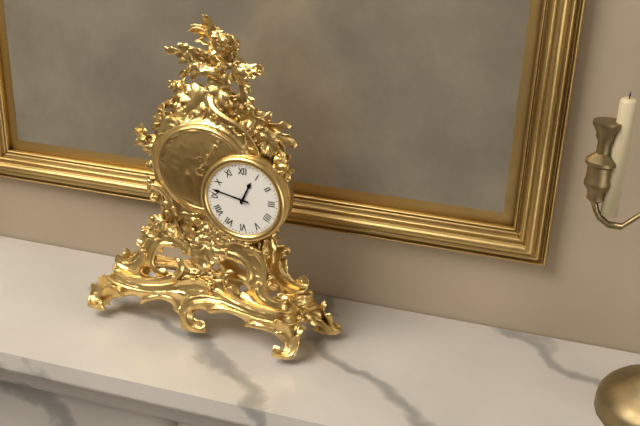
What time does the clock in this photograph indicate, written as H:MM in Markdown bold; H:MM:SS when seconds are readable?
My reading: **12:47**
